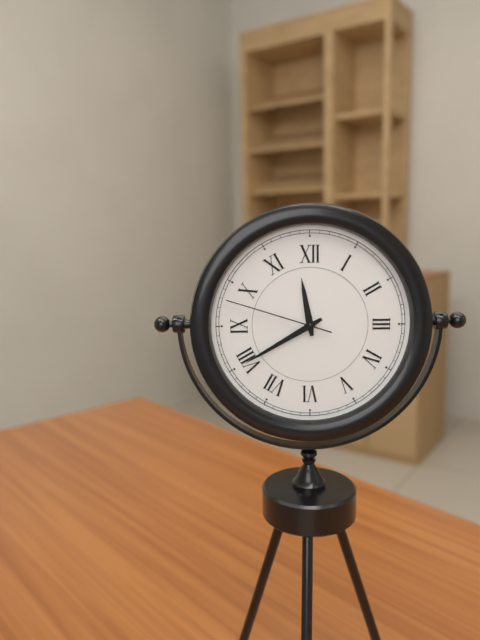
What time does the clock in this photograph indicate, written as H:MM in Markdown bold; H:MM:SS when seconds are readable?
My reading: **11:40:48**
